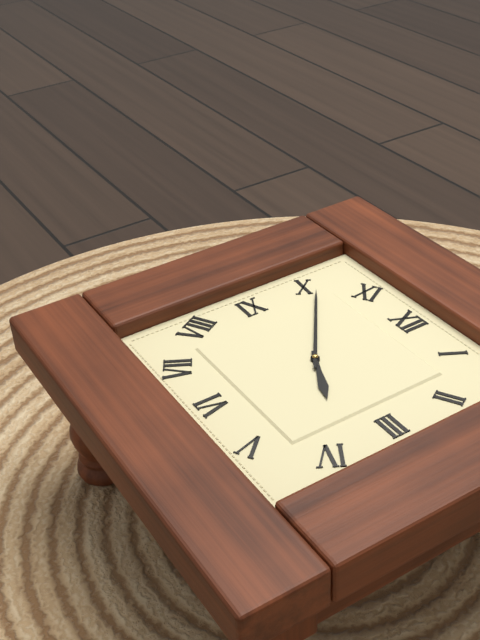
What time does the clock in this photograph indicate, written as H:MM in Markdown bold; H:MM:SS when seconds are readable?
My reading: **3:51**
